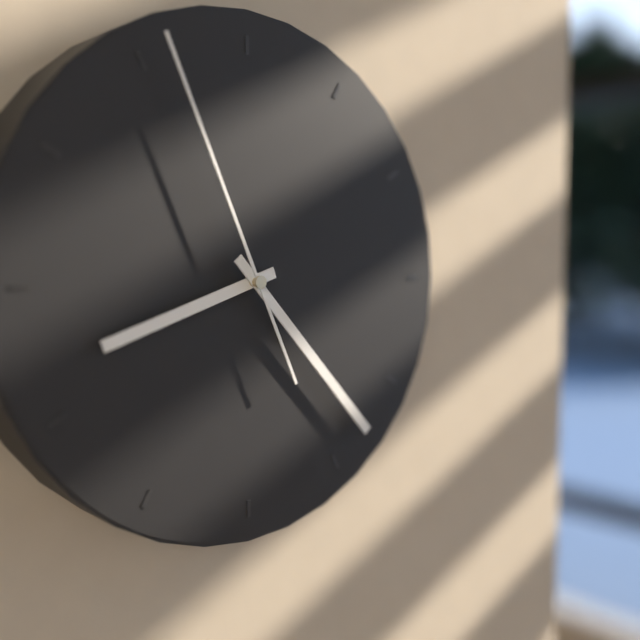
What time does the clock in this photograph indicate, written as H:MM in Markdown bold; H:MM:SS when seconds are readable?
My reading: **8:23:56**
